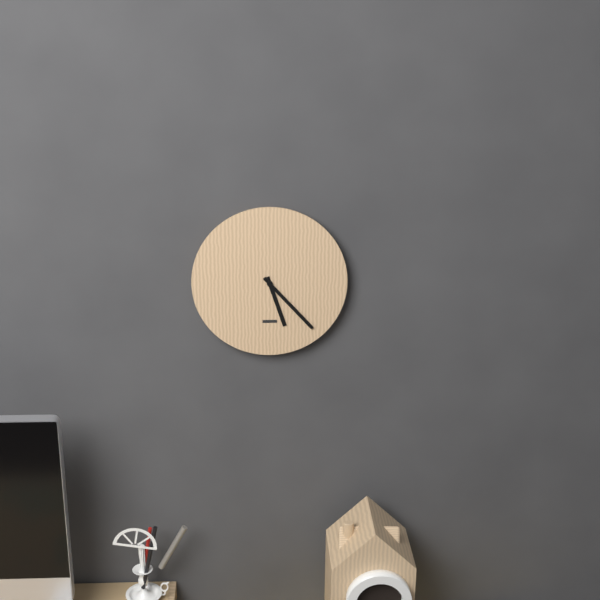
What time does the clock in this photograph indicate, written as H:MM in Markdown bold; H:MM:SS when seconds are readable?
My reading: **5:23**
